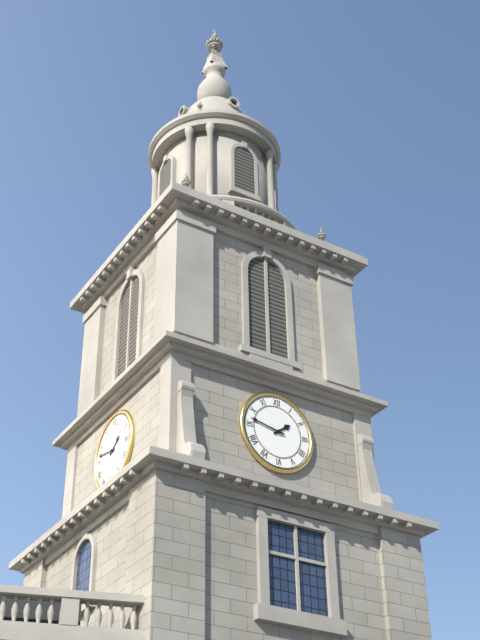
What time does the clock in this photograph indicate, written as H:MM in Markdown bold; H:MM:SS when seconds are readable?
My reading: **1:47**
